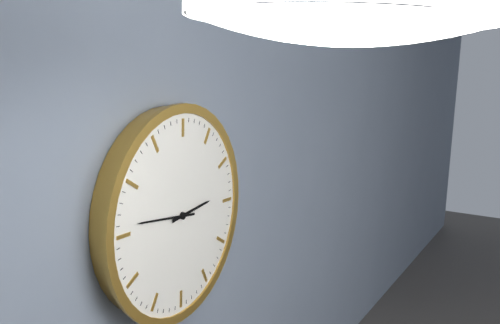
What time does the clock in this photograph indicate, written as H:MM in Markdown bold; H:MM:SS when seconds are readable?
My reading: **2:46**
